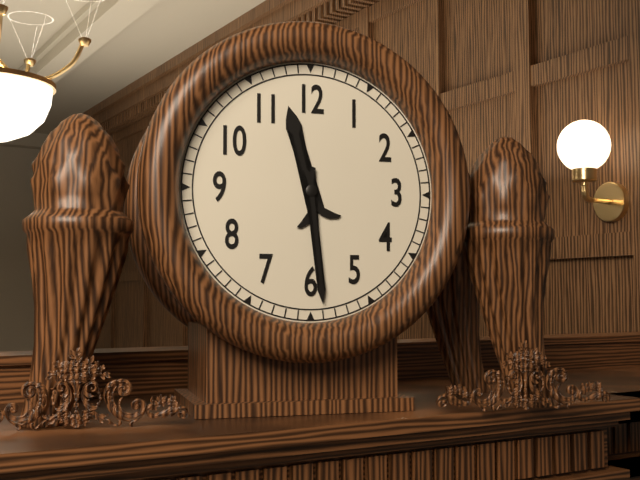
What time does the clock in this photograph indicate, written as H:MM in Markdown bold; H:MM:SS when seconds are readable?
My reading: **11:29**
